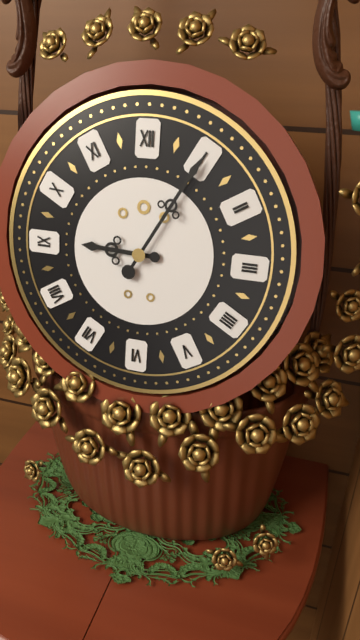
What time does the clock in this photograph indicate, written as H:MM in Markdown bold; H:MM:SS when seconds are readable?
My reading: **9:05**
